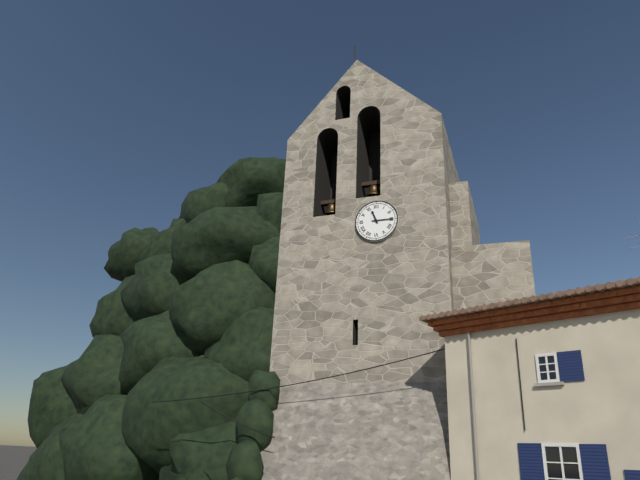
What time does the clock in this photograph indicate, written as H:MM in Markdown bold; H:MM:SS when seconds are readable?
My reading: **11:15**
